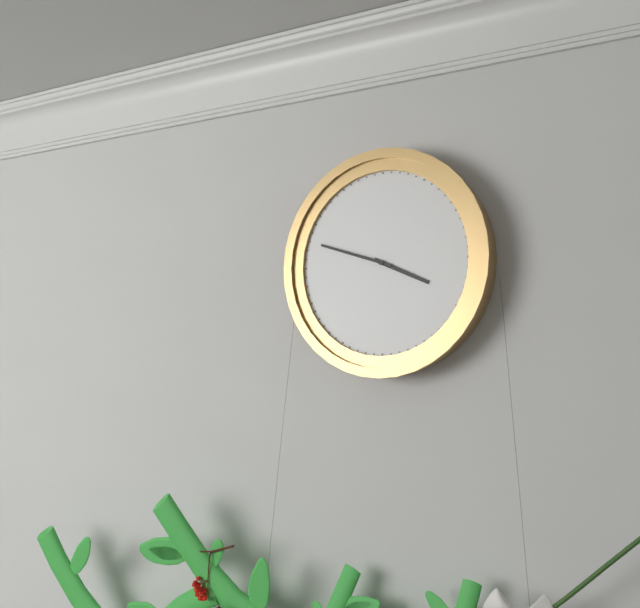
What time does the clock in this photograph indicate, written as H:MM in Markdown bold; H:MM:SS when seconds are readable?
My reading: **3:48**
